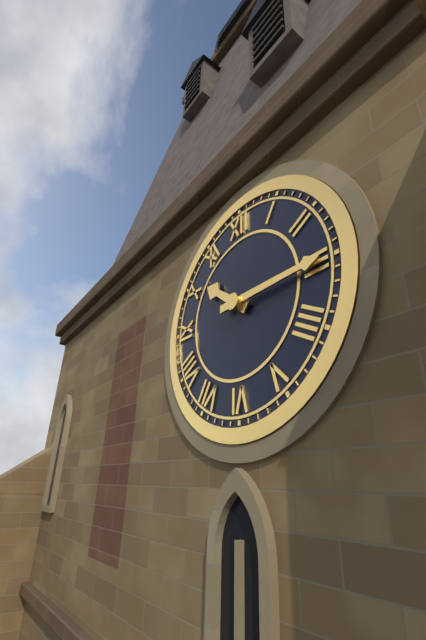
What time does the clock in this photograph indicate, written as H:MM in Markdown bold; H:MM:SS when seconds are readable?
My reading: **10:15**
